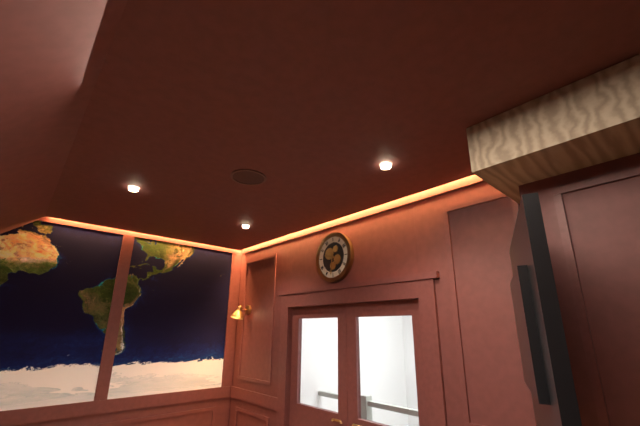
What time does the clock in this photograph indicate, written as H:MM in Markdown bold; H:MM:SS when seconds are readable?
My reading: **9:31**
